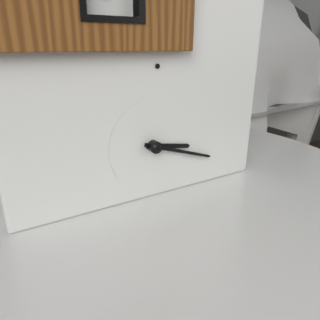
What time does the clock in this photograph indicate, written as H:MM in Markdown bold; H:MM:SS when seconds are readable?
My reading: **3:18**
